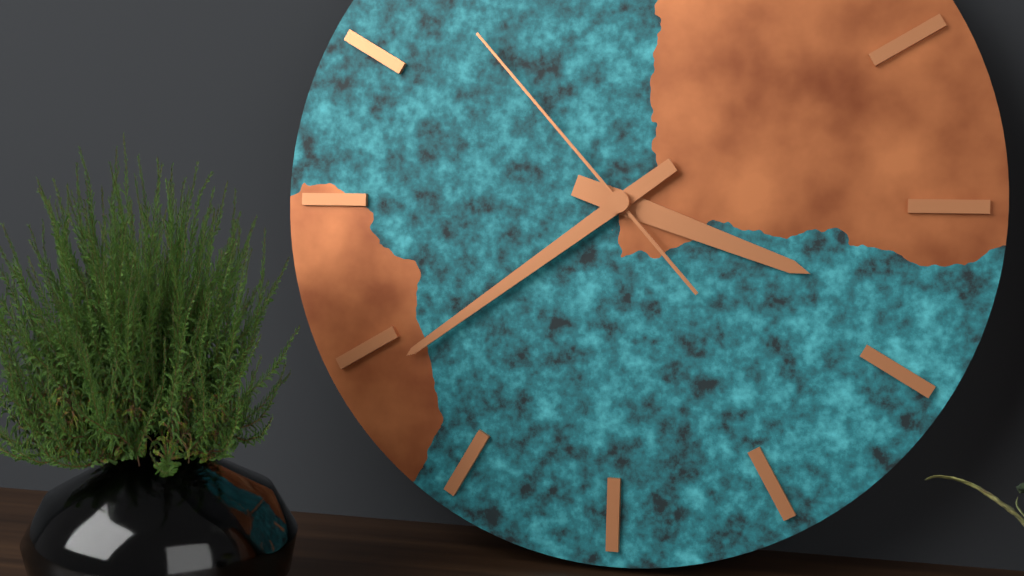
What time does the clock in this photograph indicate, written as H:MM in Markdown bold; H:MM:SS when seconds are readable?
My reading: **3:39:53**
